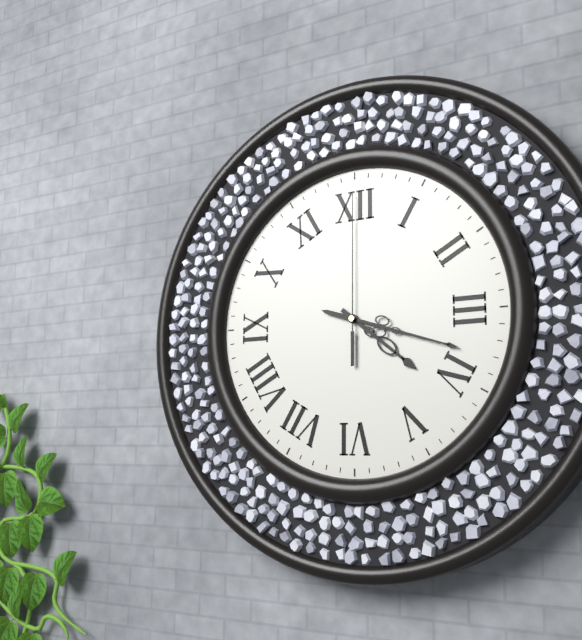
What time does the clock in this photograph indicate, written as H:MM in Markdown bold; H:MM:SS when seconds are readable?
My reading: **4:18:00**
